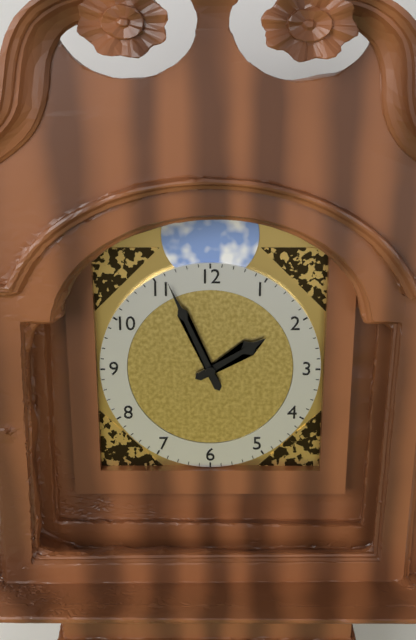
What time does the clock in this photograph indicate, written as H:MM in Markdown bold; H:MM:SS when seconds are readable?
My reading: **1:56**
